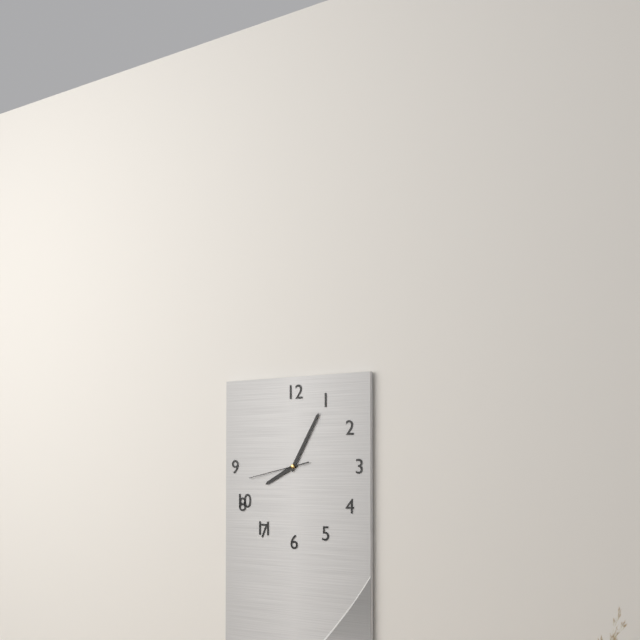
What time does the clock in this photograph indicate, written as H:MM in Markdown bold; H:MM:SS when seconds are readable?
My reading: **8:05:43**
